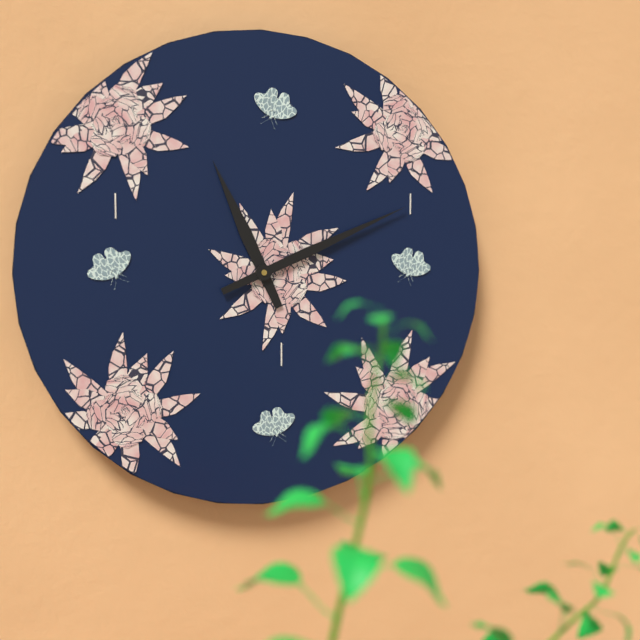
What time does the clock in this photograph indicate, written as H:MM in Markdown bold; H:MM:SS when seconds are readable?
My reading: **11:11**
